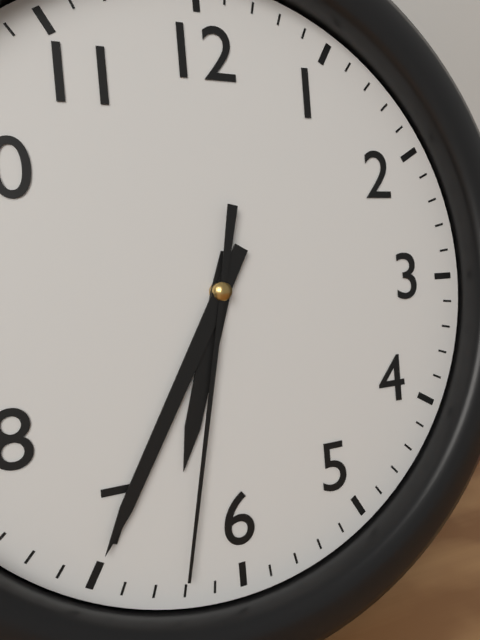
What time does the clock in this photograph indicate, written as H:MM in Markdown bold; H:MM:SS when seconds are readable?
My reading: **6:35:32**
